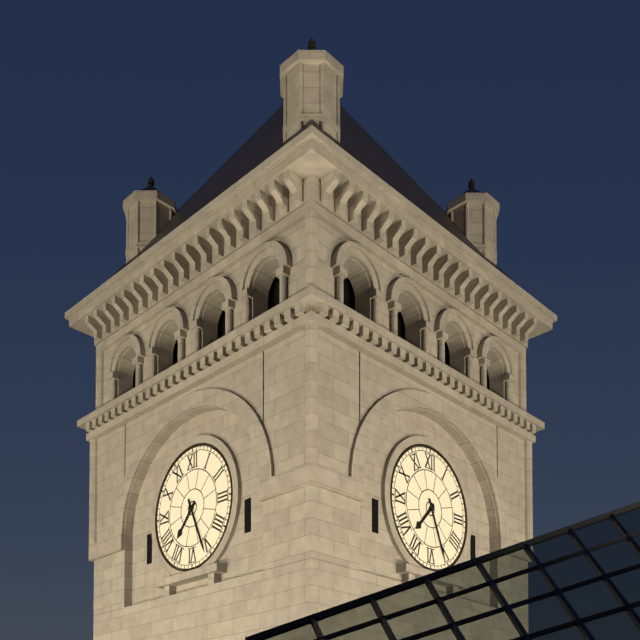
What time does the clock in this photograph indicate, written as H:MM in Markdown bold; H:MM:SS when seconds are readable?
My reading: **7:26**
